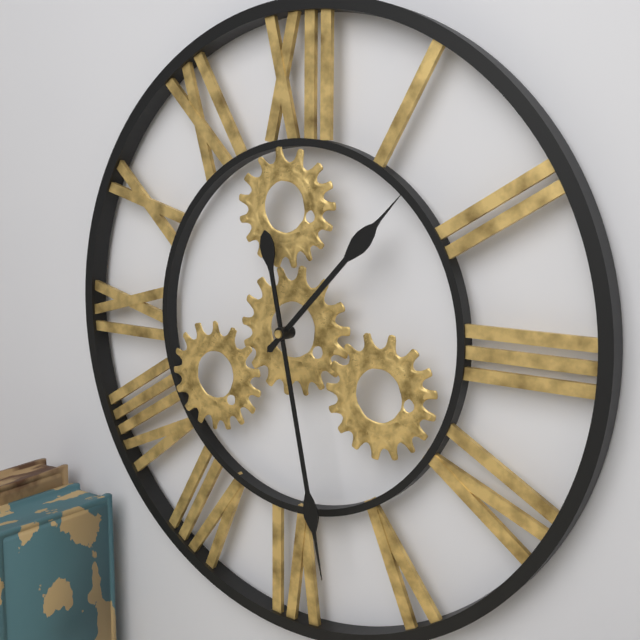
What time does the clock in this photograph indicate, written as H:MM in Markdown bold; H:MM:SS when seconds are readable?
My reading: **1:28**
